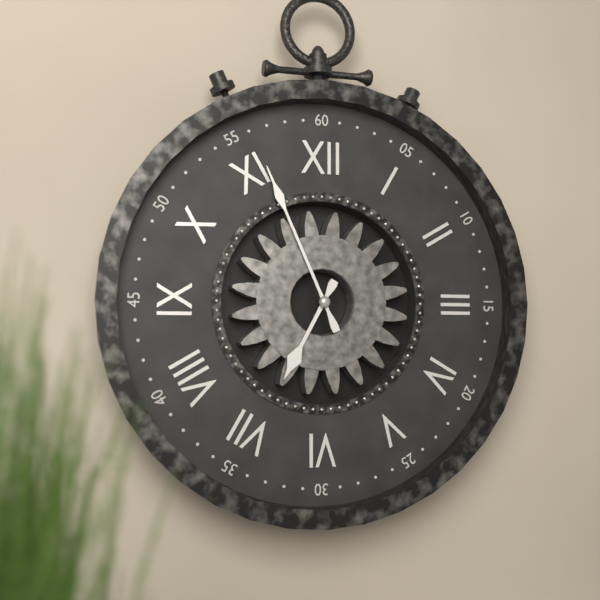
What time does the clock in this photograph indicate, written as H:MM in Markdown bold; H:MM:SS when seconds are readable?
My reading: **6:56**
